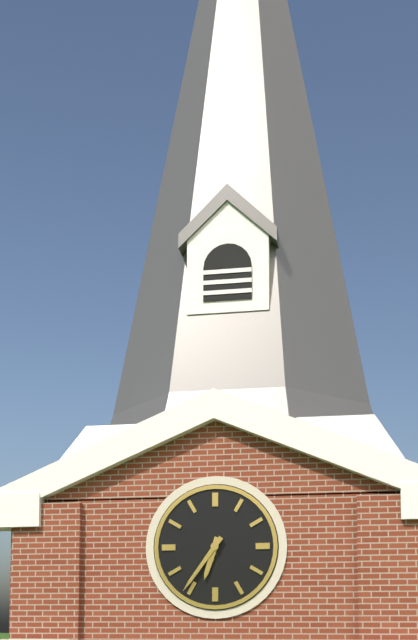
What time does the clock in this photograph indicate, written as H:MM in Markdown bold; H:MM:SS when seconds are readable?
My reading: **6:36**
